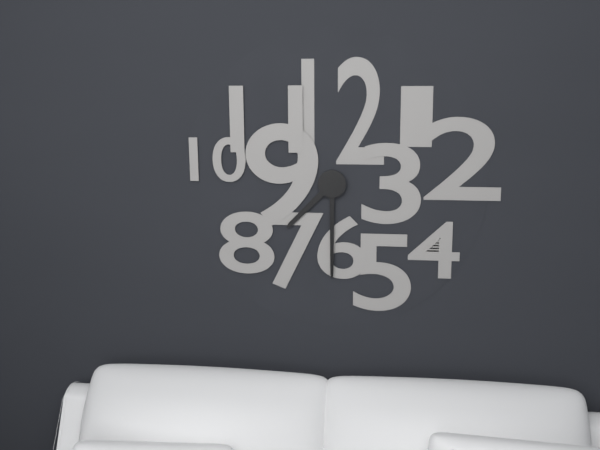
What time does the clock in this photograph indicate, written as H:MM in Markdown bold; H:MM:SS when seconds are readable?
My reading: **7:30**
